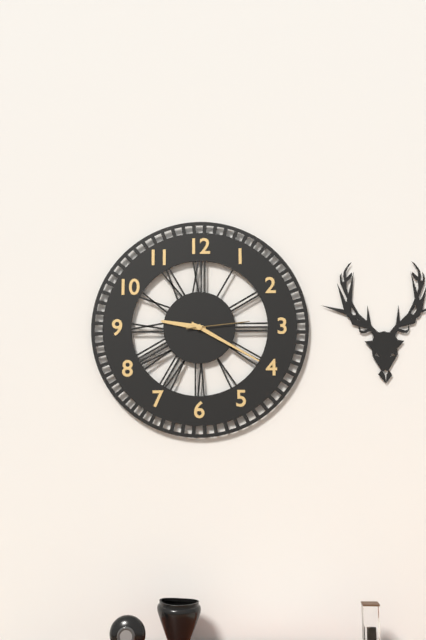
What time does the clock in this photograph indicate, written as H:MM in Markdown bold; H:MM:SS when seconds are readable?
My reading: **9:20:14**
